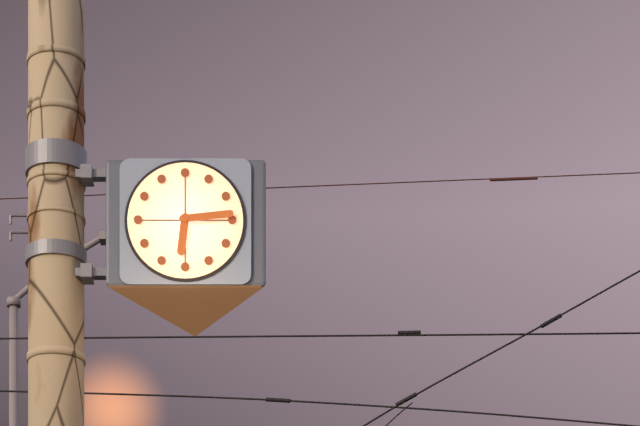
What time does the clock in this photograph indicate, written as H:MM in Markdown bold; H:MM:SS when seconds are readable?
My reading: **6:14**
